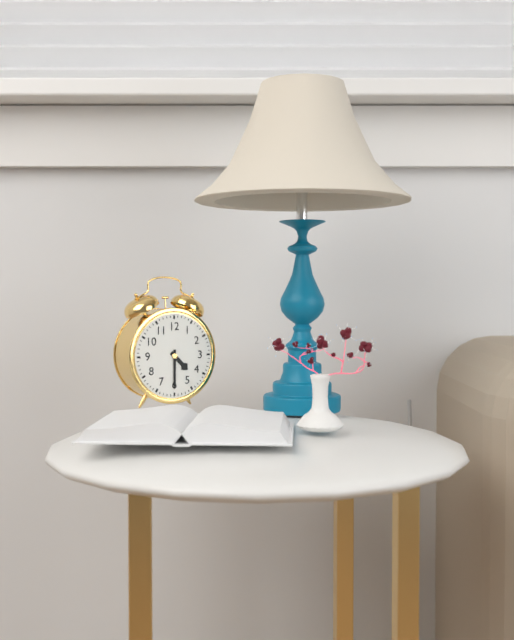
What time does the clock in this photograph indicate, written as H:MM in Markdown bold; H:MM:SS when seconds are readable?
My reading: **4:30**
